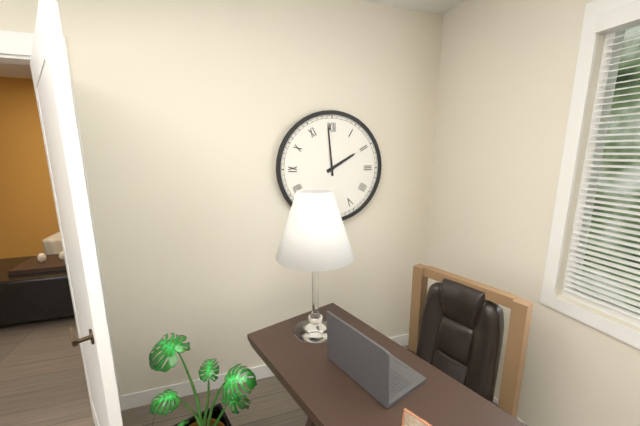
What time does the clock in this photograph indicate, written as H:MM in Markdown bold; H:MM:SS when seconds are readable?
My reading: **1:59**
